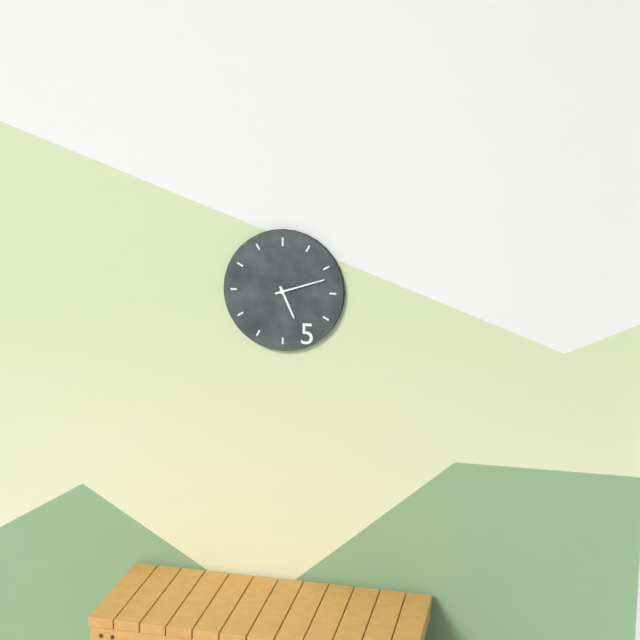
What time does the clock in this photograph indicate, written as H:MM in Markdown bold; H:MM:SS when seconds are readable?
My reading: **5:12**
